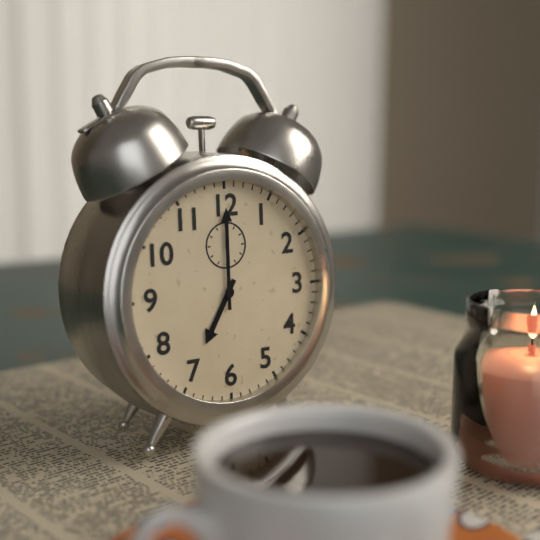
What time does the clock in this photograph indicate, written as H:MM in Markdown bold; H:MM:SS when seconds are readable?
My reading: **7:00**
